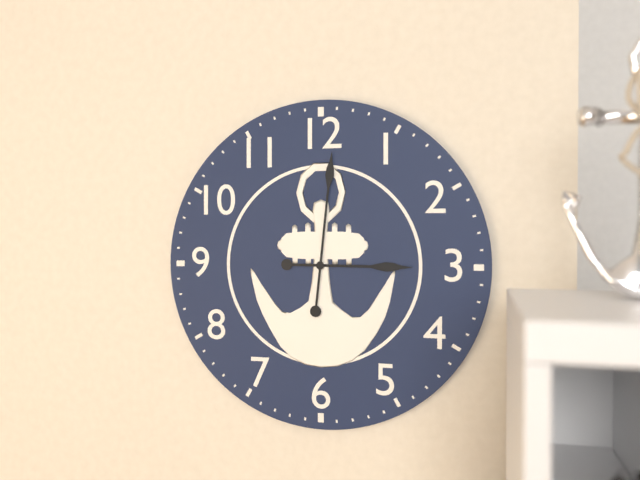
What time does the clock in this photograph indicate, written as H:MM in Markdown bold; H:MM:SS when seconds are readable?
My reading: **3:01**
